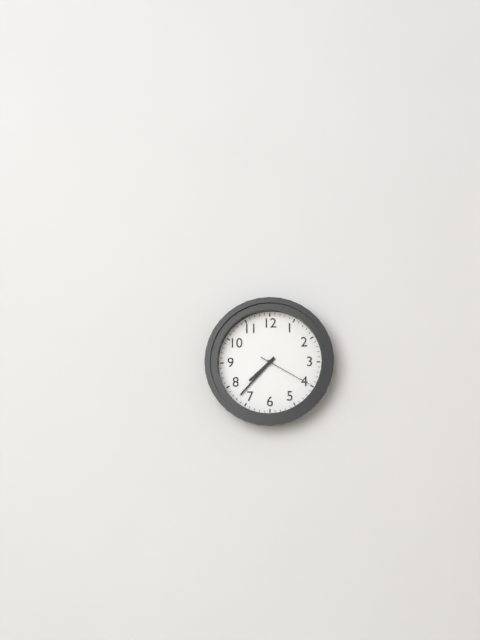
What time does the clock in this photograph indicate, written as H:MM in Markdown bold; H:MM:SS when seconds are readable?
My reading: **7:37:20**
